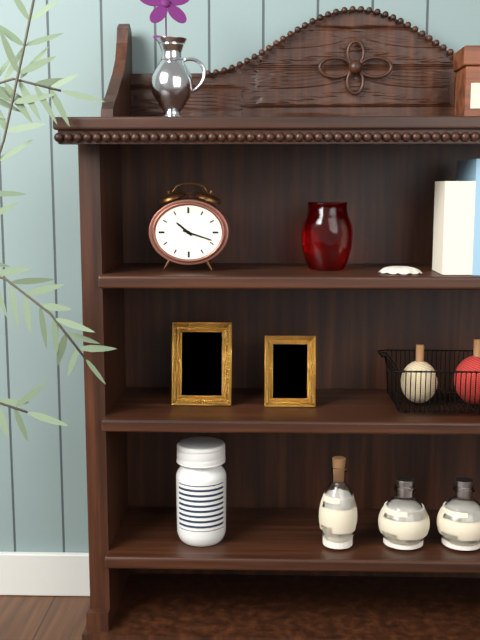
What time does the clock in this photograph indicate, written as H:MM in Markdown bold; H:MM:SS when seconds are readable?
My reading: **10:18**
